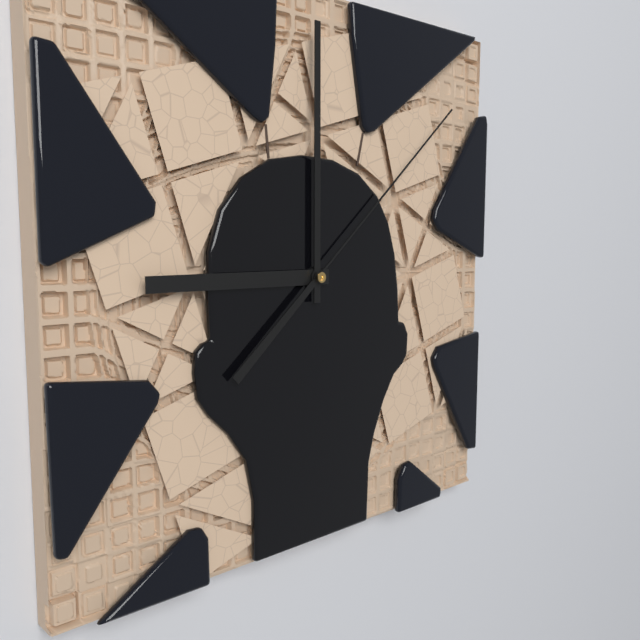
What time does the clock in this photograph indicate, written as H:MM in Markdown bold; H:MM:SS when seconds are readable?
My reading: **9:00:08**
